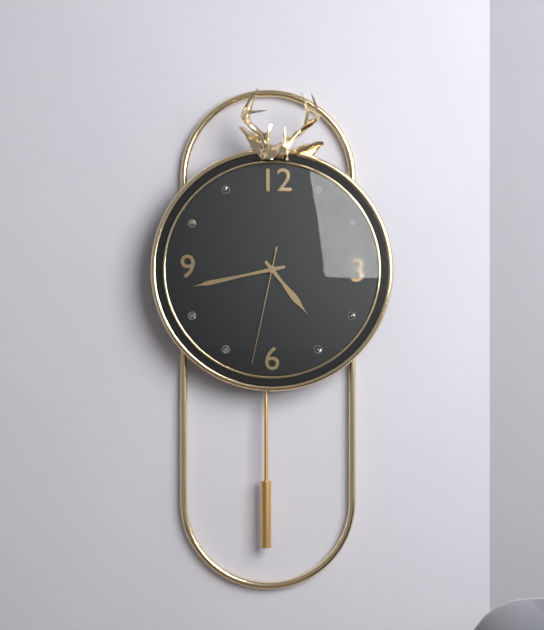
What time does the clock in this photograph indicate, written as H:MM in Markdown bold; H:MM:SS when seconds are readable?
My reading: **4:43:32**
